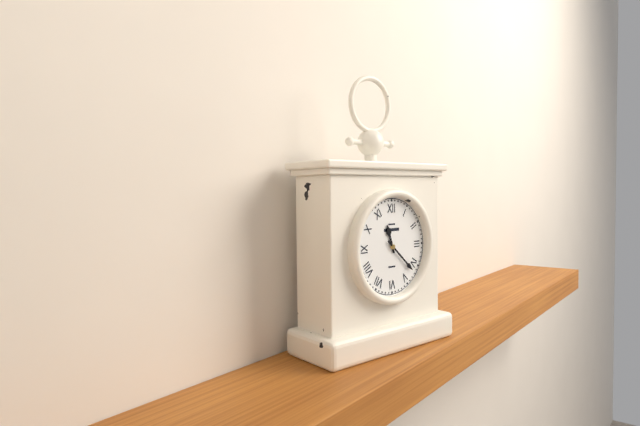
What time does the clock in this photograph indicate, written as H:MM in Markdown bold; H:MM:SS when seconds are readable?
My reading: **11:22**
